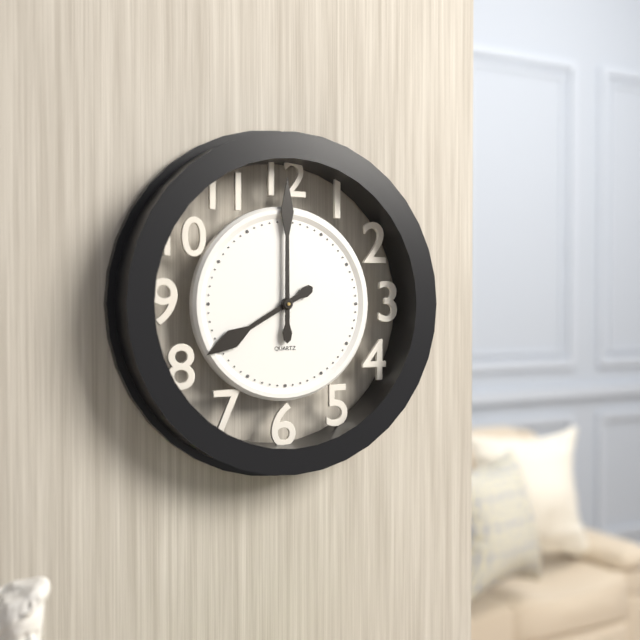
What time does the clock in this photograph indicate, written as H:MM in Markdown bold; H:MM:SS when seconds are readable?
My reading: **8:00**
